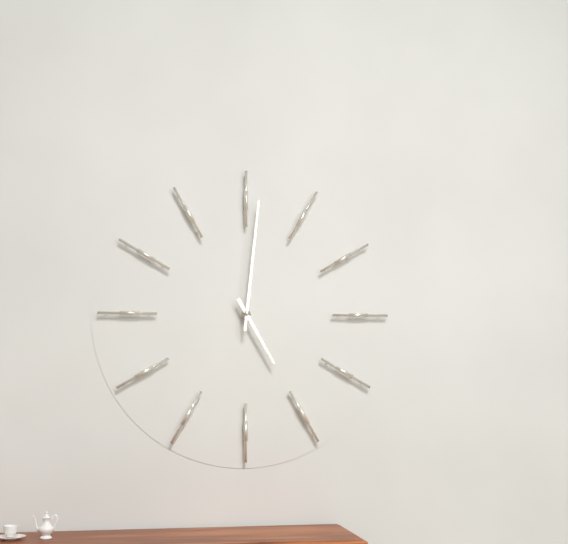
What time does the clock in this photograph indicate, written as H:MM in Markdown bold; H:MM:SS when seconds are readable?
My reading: **5:01**
